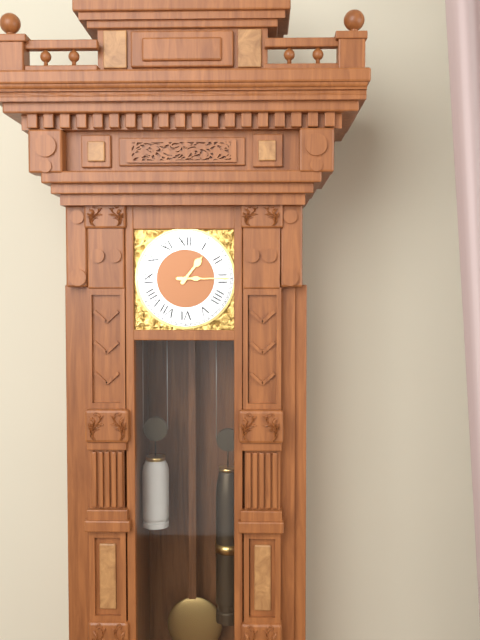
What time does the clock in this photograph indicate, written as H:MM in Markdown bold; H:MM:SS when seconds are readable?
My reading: **1:15**
